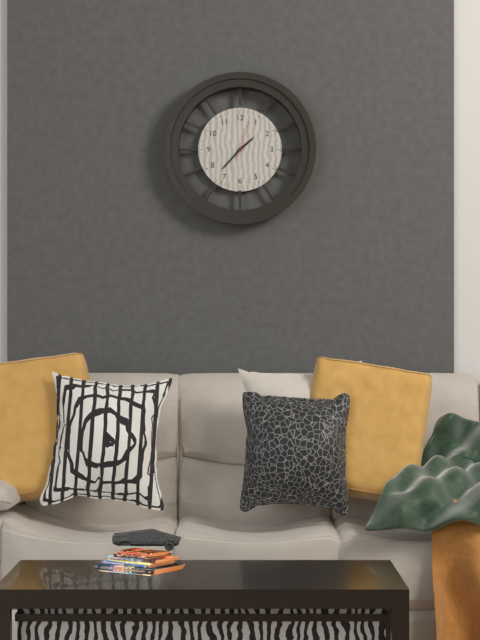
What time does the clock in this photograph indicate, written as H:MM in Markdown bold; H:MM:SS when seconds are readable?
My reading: **1:37**
